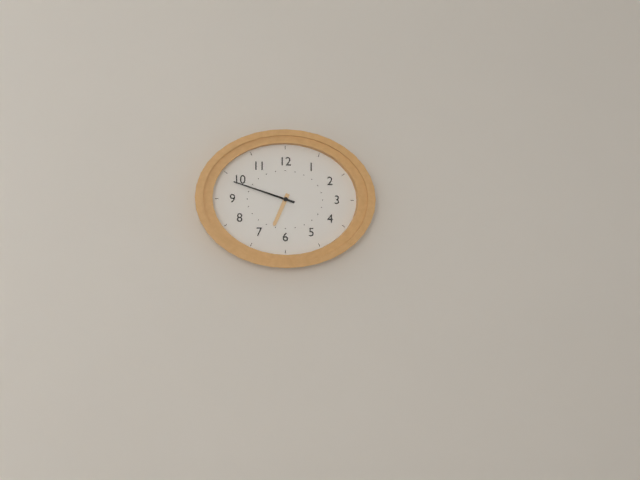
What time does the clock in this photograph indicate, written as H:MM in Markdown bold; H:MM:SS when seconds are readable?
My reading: **6:48**
